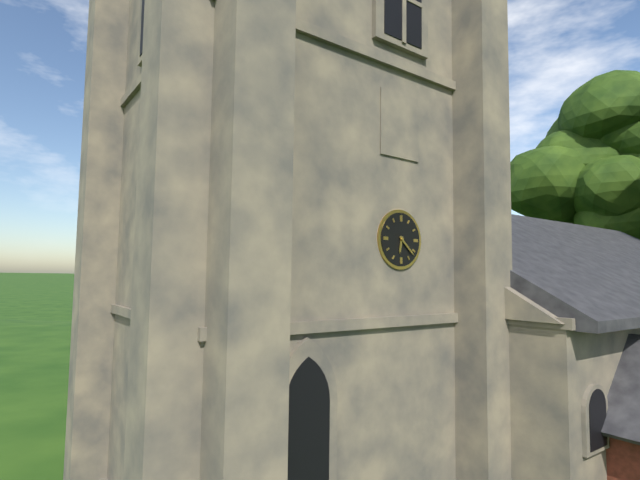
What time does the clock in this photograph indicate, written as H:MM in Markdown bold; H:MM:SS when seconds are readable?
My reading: **6:22**
